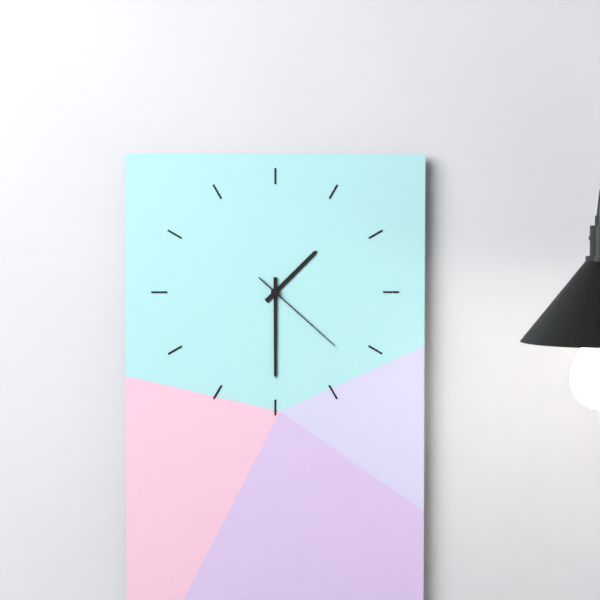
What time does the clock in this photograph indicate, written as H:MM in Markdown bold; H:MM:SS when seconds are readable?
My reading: **1:30:22**
